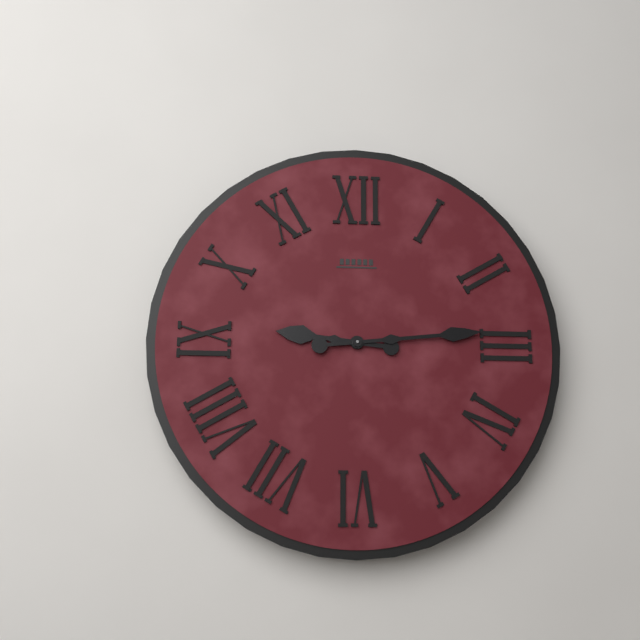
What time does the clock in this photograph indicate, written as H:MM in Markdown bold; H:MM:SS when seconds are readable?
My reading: **9:14**
